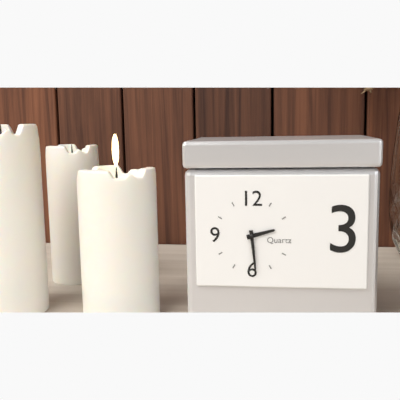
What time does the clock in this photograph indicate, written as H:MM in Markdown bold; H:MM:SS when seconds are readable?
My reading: **2:29**
